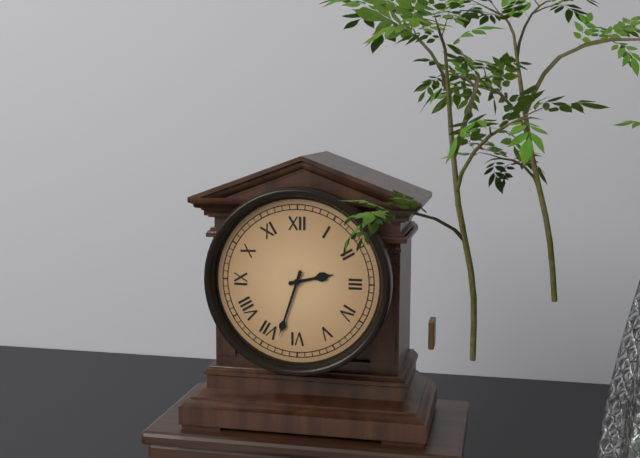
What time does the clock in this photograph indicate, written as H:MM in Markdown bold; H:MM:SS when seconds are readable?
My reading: **2:33**
